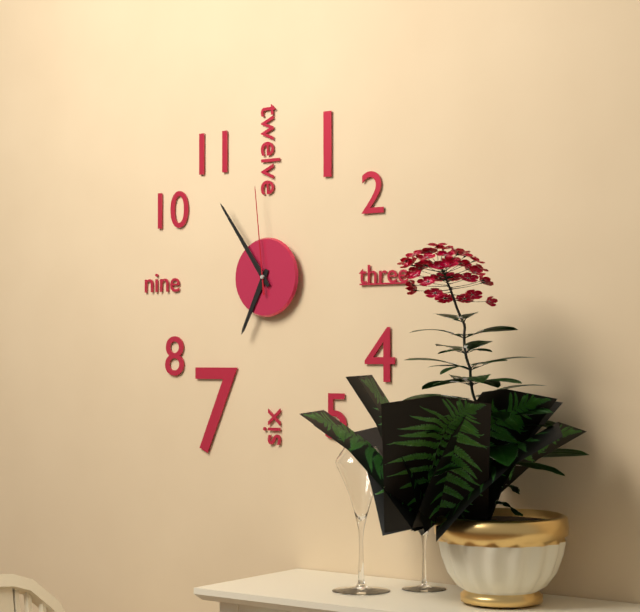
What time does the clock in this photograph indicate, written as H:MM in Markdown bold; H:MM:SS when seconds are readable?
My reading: **6:54:59**
